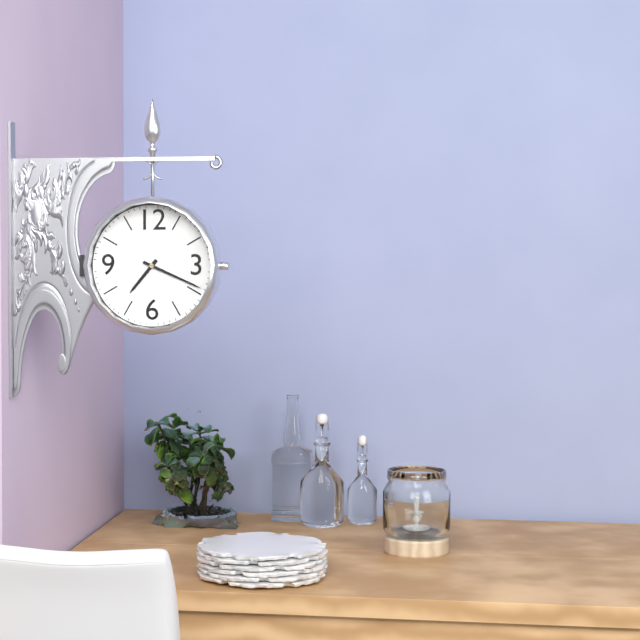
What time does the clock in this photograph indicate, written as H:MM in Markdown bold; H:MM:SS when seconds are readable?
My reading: **7:19**
